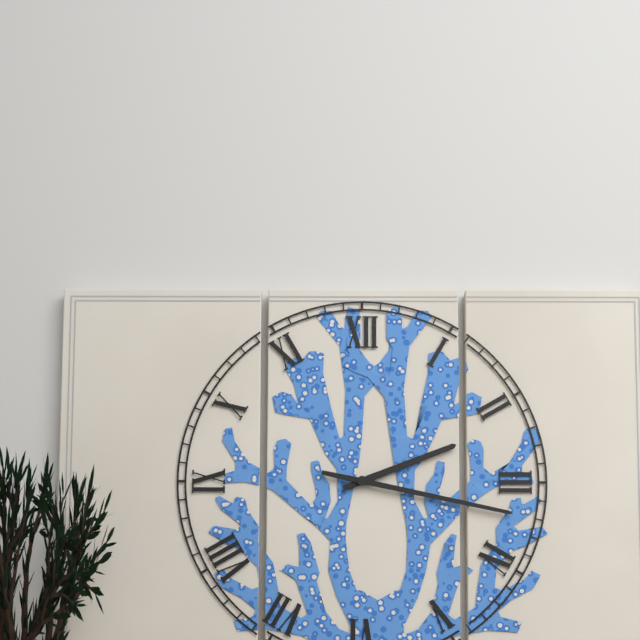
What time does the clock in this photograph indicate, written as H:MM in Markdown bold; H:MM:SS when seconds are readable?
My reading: **2:17**
